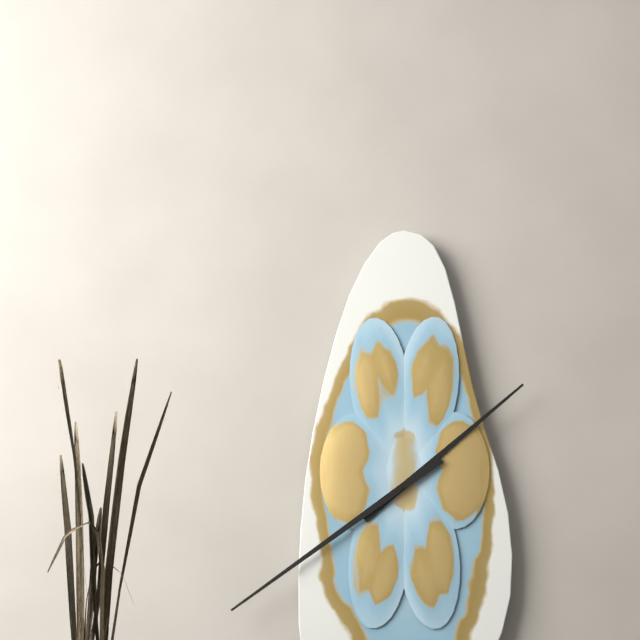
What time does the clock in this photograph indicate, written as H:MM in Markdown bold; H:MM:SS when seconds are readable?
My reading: **1:39**
